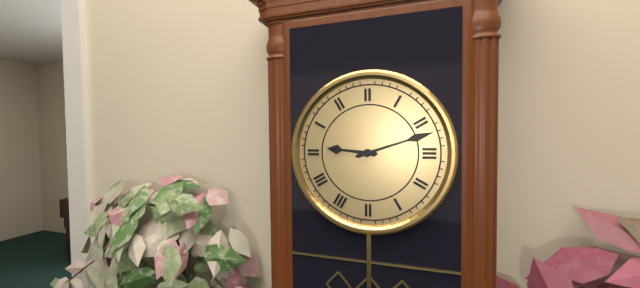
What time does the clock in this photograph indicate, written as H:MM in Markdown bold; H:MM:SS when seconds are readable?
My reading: **9:12**
